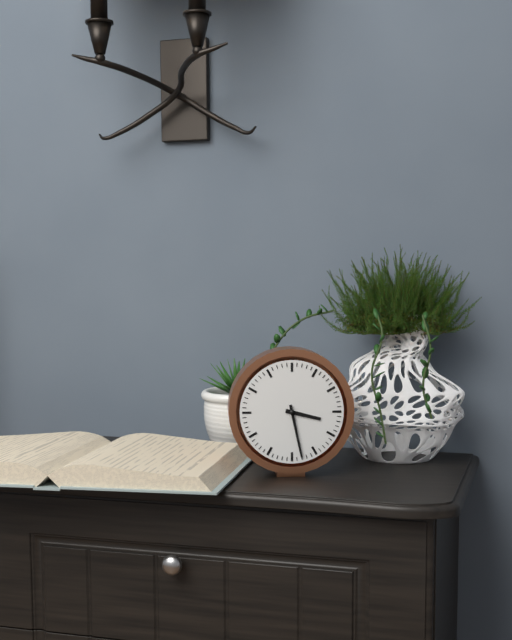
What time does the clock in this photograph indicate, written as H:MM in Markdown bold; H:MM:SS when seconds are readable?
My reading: **3:28**
